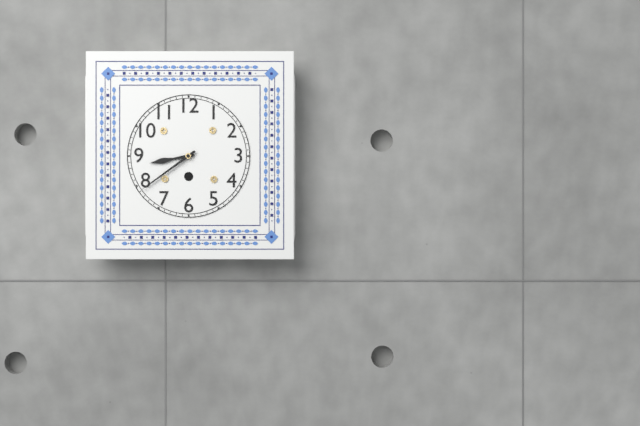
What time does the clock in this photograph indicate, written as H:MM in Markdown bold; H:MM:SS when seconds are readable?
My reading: **8:39**
